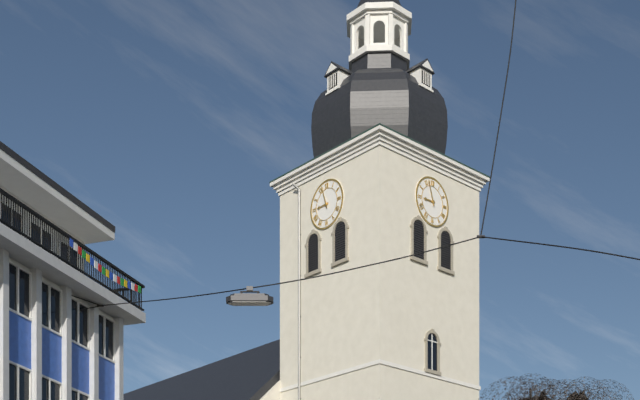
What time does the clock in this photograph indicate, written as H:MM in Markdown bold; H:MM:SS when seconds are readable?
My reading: **8:57**
